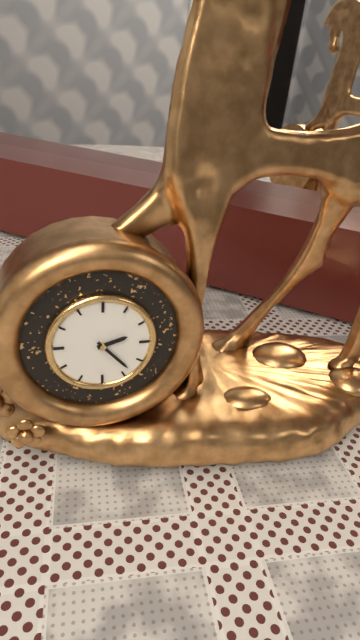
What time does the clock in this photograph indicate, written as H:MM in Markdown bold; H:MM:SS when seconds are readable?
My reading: **2:23**
